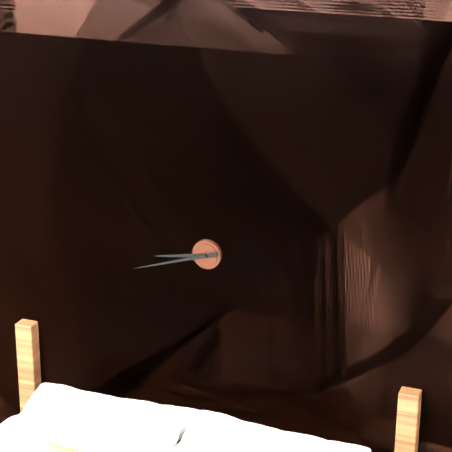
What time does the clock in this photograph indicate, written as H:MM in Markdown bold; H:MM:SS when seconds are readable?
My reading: **8:42**
